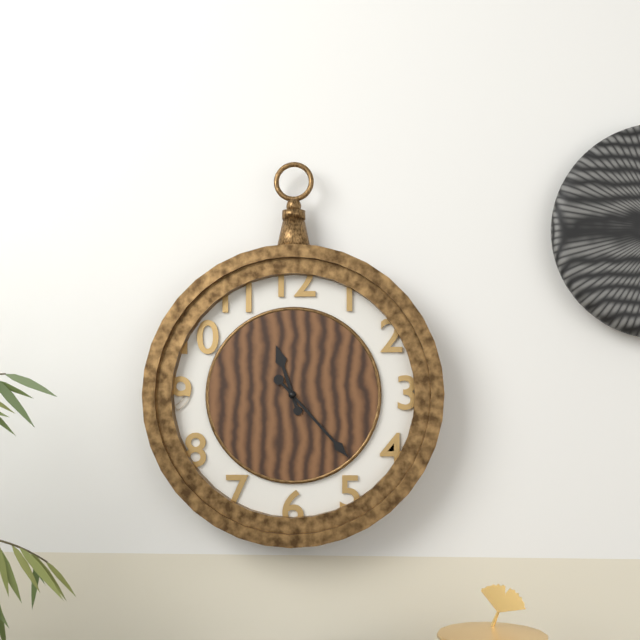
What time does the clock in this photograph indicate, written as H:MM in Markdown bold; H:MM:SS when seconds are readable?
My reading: **11:23**
